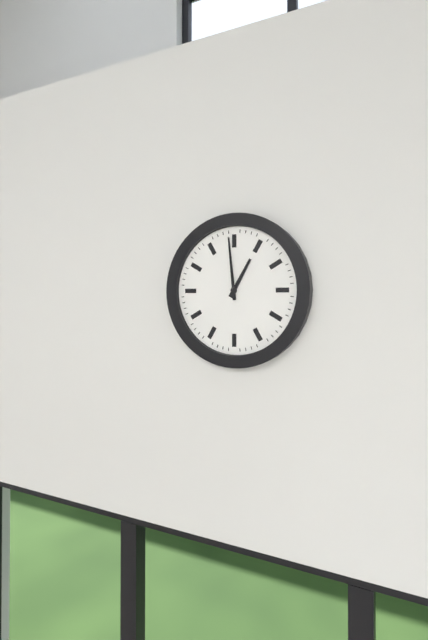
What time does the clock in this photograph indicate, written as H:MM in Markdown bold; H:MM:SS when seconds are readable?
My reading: **12:59**
